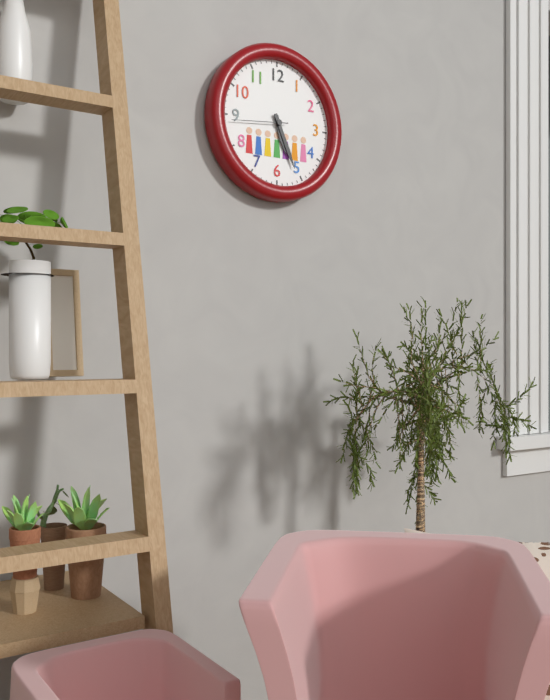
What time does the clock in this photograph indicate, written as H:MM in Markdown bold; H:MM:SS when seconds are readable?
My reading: **5:26:44**
